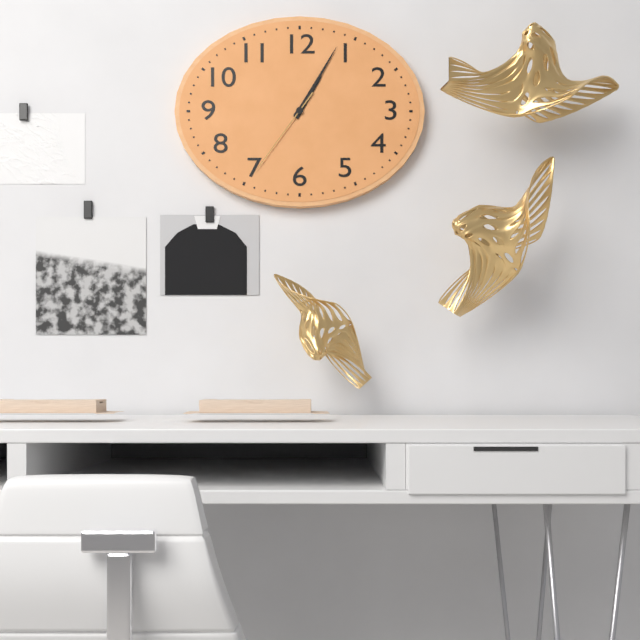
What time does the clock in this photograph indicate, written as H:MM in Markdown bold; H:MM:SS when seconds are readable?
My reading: **1:05:36**
